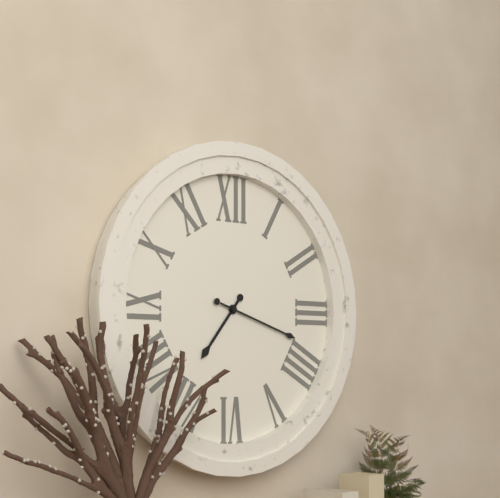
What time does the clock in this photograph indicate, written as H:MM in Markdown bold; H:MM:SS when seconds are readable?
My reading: **7:18**
